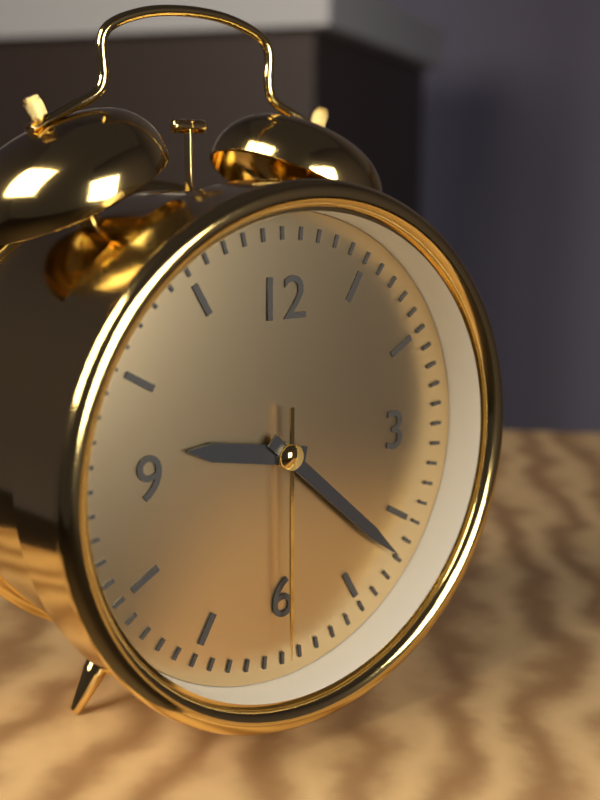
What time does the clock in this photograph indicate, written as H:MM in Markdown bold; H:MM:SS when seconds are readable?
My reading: **9:22:30**
